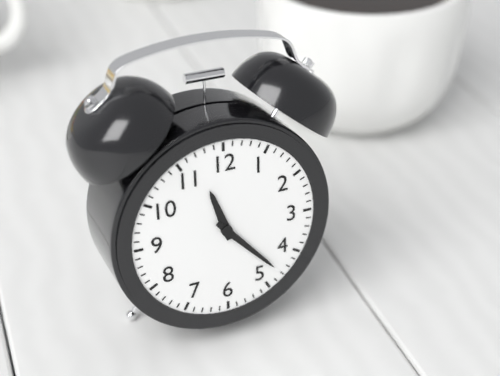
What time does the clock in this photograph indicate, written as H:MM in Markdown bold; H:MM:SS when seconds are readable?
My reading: **11:23**
